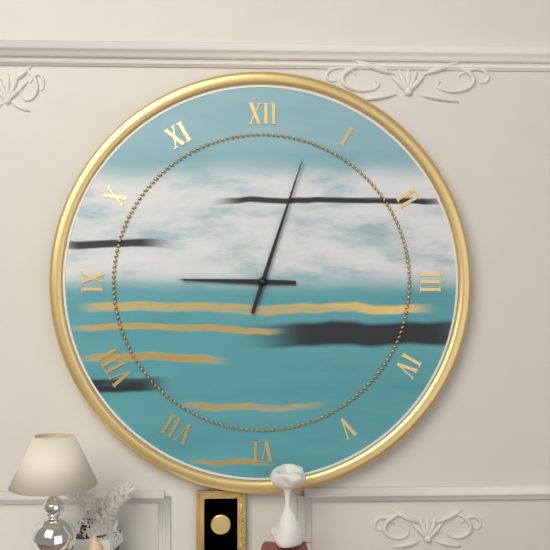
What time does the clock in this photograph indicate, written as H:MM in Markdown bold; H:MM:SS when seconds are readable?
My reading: **9:03**
